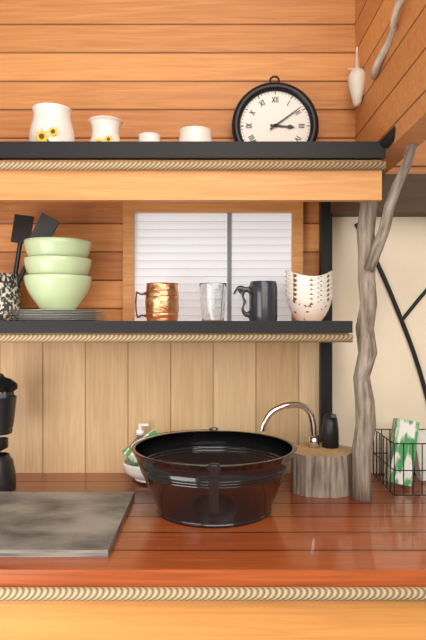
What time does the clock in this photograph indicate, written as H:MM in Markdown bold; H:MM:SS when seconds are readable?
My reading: **3:09**
